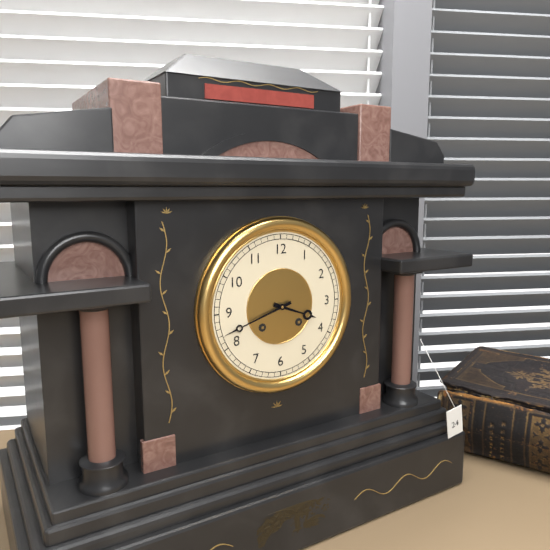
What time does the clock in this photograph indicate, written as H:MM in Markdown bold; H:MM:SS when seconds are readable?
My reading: **3:42**
